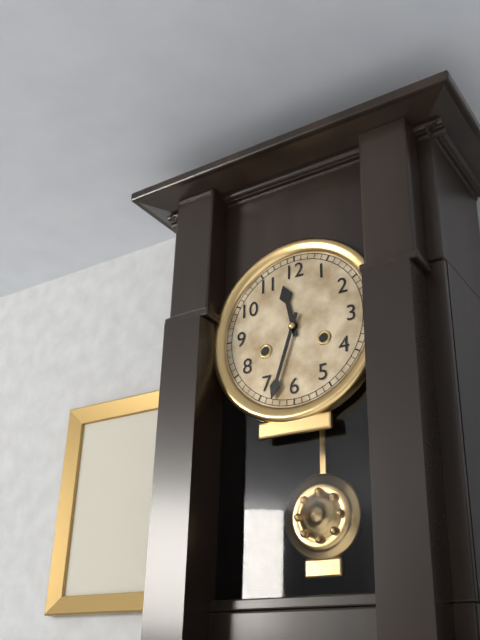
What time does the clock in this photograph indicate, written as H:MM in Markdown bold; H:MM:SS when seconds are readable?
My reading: **11:33**
